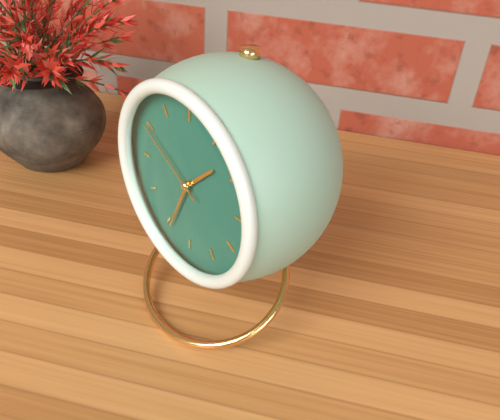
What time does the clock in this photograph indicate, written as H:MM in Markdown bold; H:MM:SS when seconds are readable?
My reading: **1:34:50**
